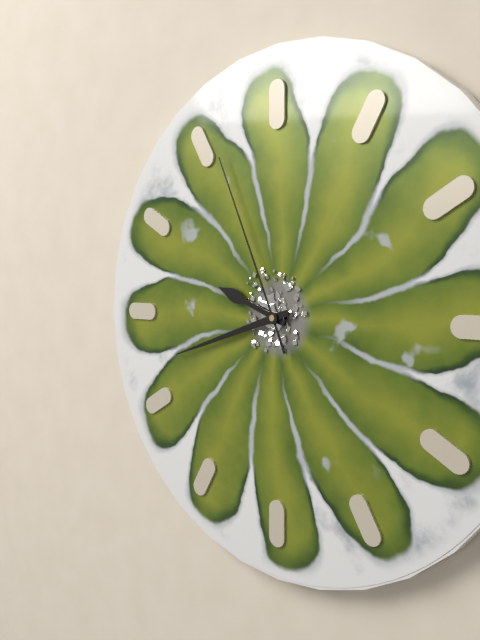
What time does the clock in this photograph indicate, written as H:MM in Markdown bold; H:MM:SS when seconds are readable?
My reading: **9:42:56**
